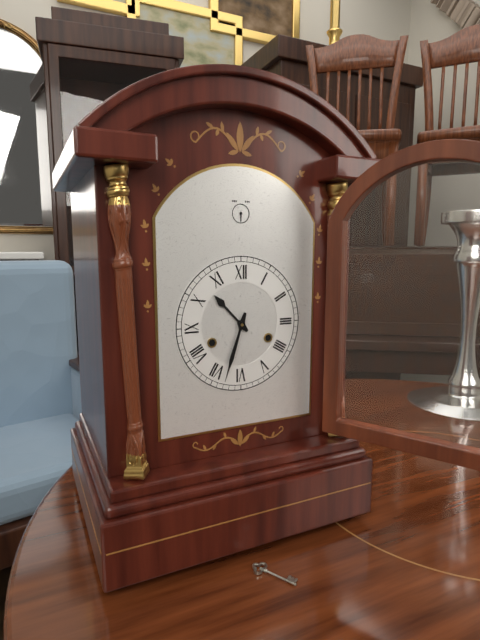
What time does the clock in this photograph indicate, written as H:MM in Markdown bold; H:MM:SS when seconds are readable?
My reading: **10:33**
